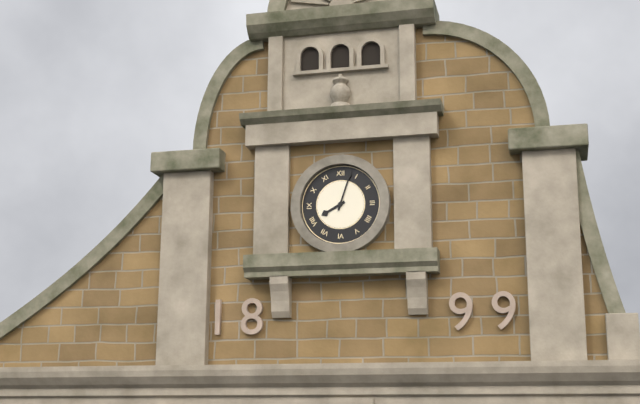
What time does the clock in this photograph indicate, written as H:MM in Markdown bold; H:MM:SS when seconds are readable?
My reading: **8:03**
